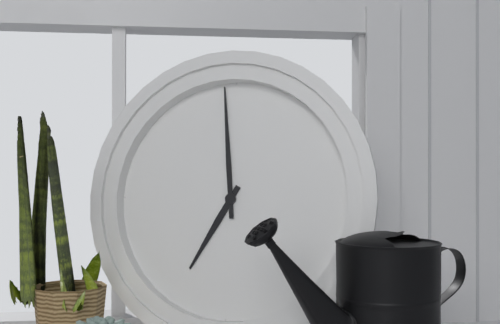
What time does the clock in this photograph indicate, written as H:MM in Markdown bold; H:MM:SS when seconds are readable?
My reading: **6:59**
